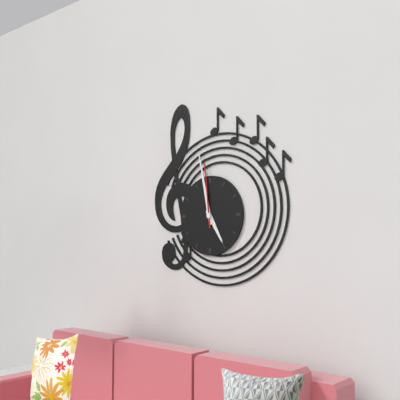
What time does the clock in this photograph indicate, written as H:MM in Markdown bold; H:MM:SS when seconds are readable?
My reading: **4:58:59**
